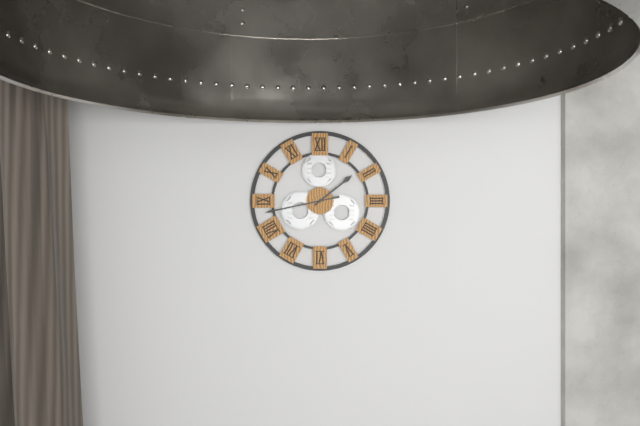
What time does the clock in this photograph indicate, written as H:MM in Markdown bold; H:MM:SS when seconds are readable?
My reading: **1:43**
